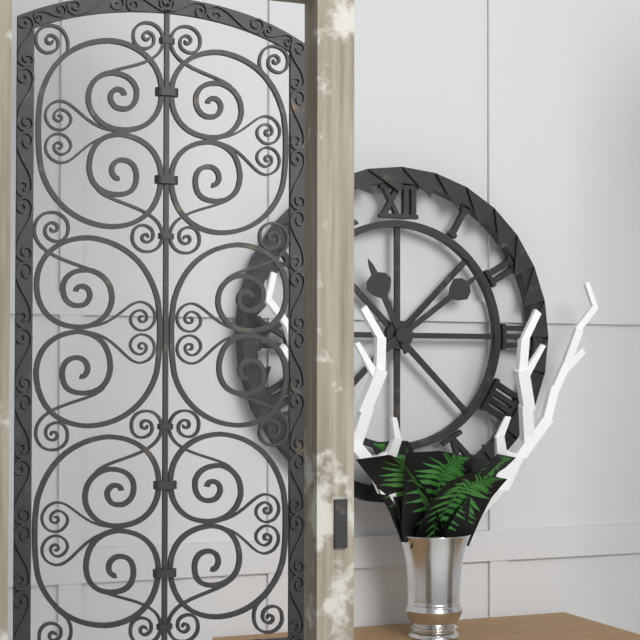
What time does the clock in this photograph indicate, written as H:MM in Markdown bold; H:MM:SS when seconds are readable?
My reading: **11:09**
